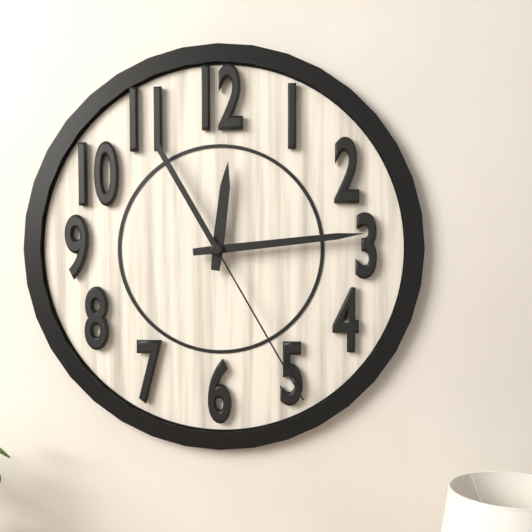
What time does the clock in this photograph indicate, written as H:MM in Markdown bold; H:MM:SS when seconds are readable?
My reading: **12:14:25**
